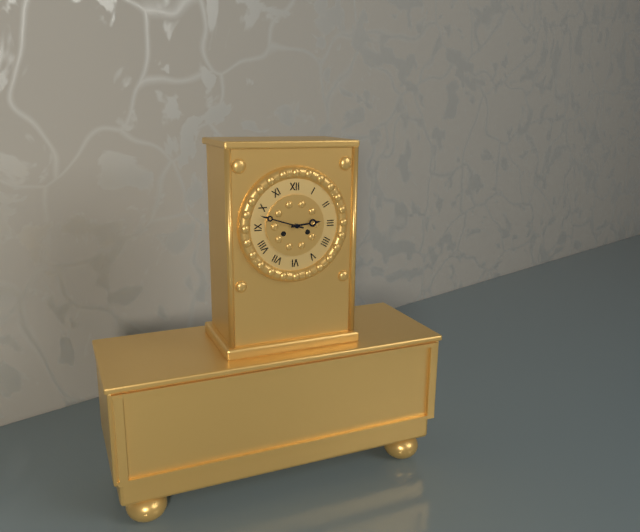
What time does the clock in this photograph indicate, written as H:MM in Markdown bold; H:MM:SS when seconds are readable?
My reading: **2:48**
